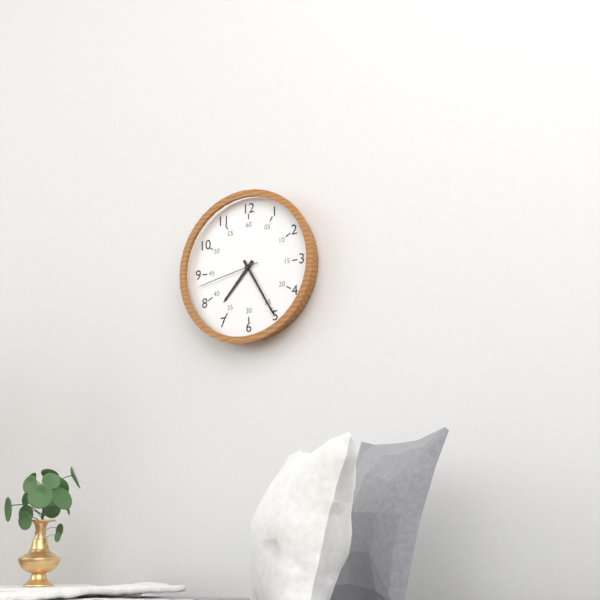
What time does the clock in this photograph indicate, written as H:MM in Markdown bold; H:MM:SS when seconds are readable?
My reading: **7:25:43**
